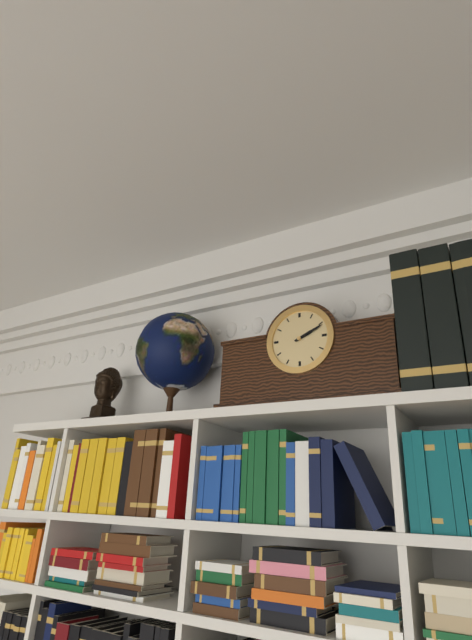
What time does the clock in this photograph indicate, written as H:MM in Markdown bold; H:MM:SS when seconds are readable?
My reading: **2:11**
